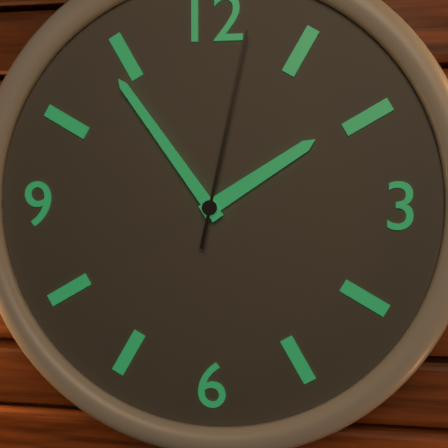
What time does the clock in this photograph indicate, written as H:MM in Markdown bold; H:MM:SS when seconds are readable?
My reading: **1:54:02**
